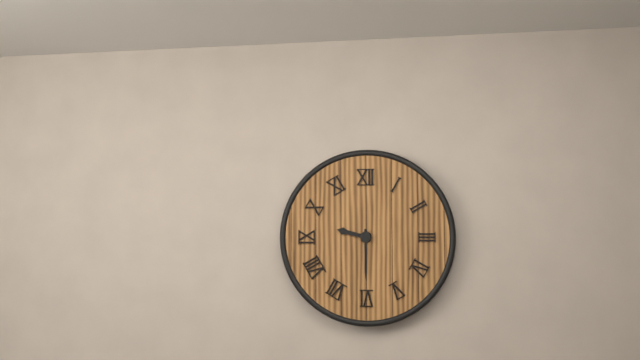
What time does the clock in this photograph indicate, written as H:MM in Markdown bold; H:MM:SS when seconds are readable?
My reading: **9:30**
